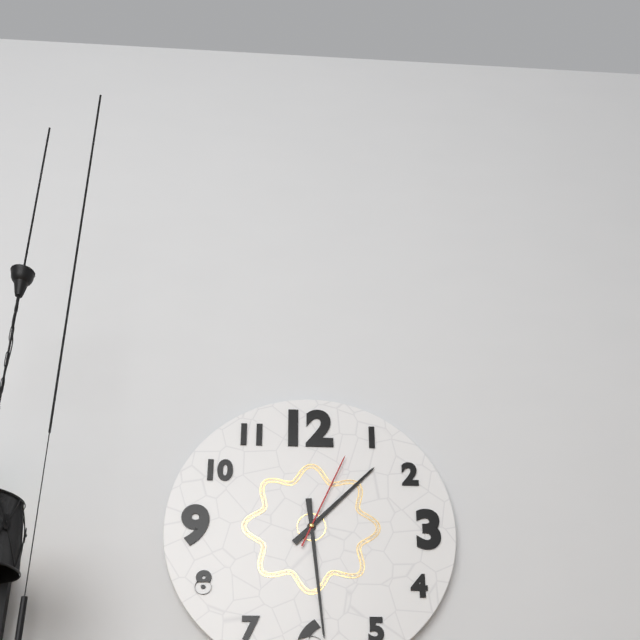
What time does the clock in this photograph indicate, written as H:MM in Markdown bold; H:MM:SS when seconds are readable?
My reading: **1:29:04**
